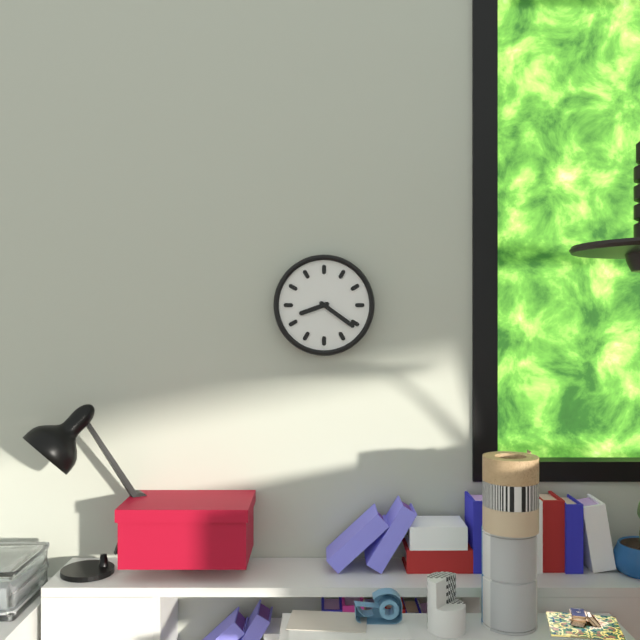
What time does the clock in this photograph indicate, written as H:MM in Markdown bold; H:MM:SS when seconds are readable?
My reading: **8:21**
